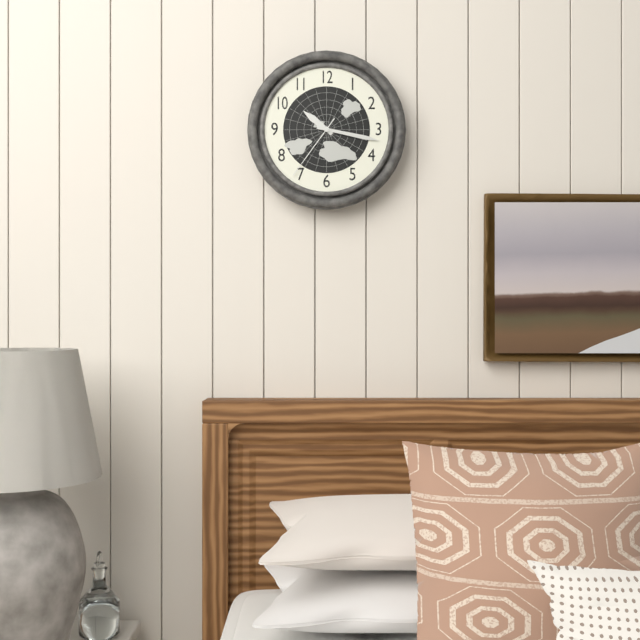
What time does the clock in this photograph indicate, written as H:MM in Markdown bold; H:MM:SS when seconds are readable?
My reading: **10:17:36**
